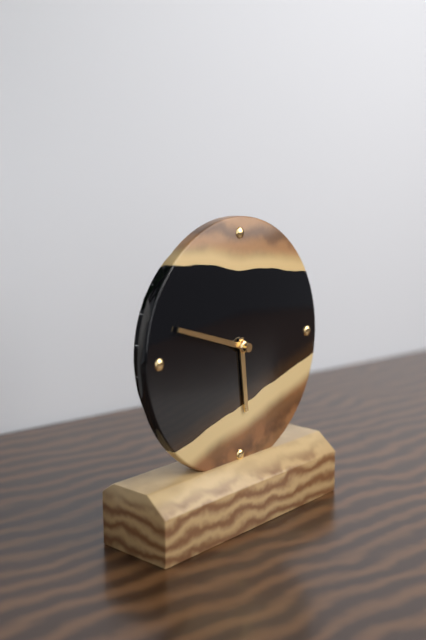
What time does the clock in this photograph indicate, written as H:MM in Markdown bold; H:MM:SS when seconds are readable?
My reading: **5:48**
